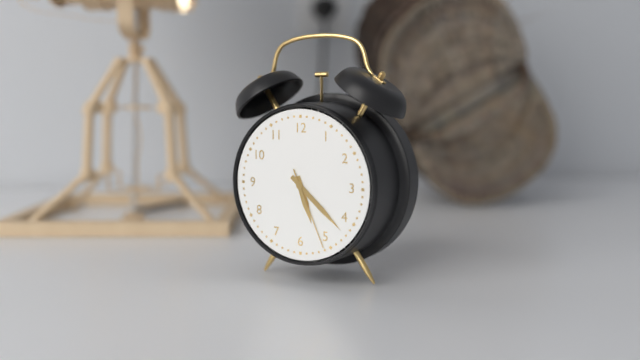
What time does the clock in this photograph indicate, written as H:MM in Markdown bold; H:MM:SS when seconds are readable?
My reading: **5:22:26**
